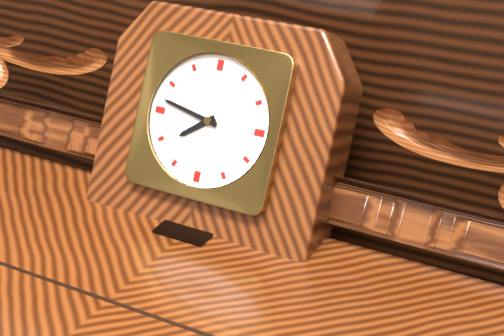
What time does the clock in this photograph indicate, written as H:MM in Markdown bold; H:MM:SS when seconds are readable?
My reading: **7:47**
